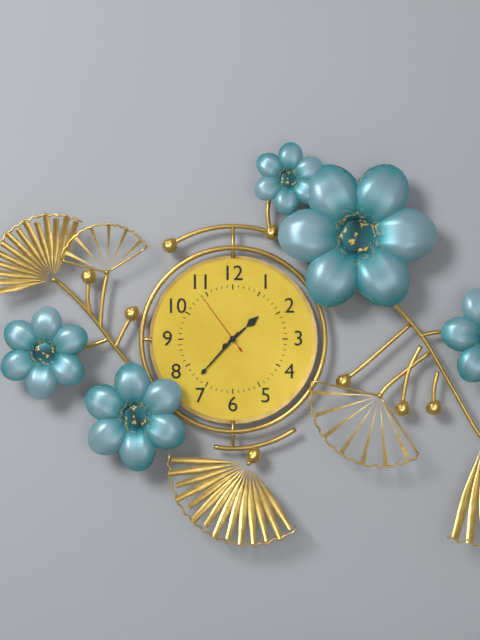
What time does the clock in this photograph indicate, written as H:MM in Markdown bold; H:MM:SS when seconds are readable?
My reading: **1:37:54**
